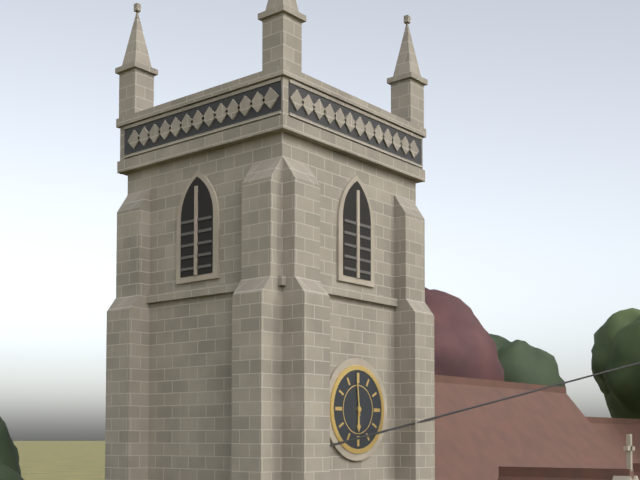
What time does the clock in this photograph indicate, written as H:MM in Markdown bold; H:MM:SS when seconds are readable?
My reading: **5:59**
